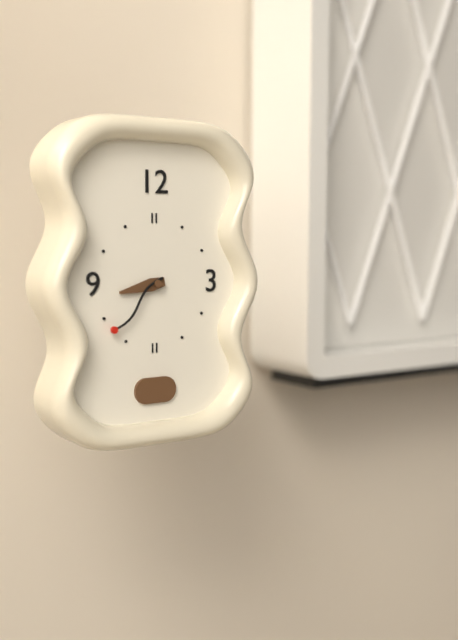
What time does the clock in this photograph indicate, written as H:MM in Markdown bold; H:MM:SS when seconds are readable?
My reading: **8:38**
